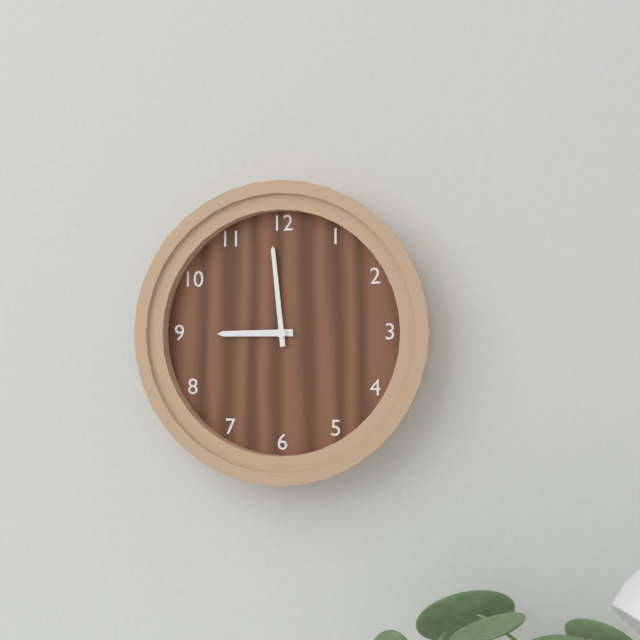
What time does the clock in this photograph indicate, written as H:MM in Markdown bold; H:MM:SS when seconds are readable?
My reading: **8:59**
